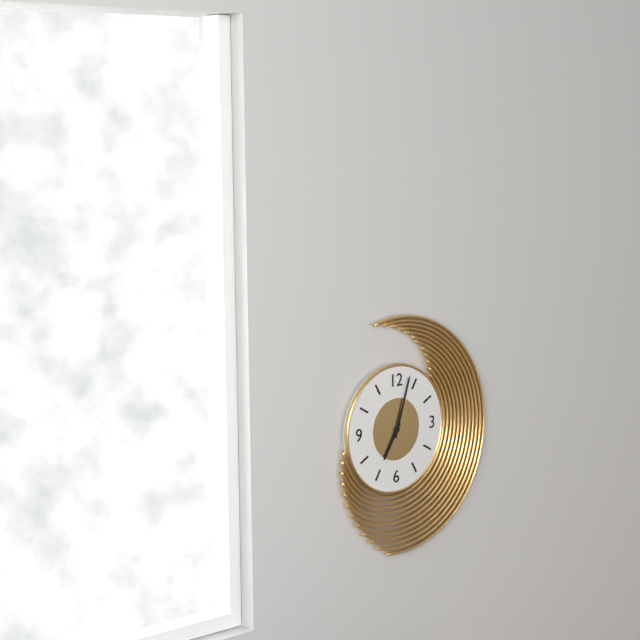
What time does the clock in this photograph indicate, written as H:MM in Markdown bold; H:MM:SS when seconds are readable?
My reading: **7:03**
